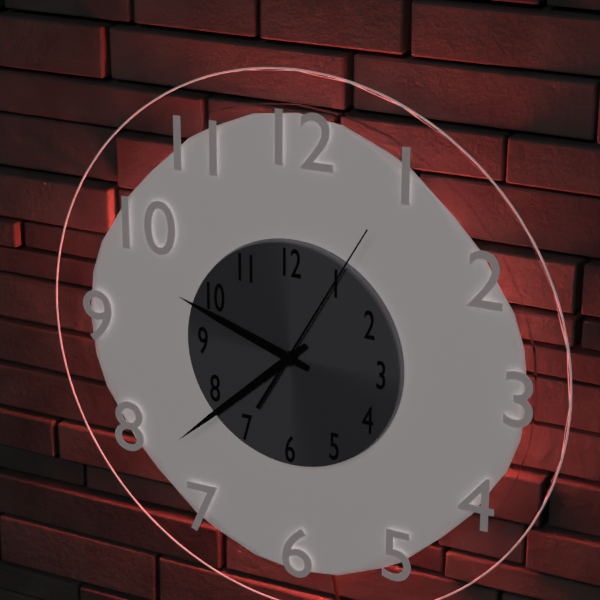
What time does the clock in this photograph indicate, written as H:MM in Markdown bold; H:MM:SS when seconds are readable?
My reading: **9:38:05**
